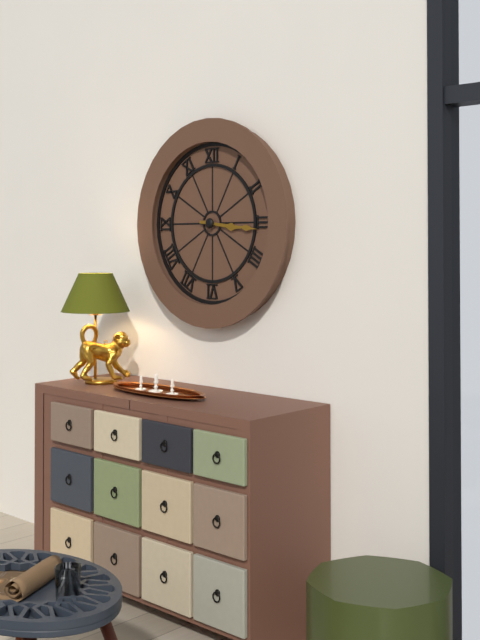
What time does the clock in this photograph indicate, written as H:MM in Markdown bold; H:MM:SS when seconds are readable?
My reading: **3:16**
